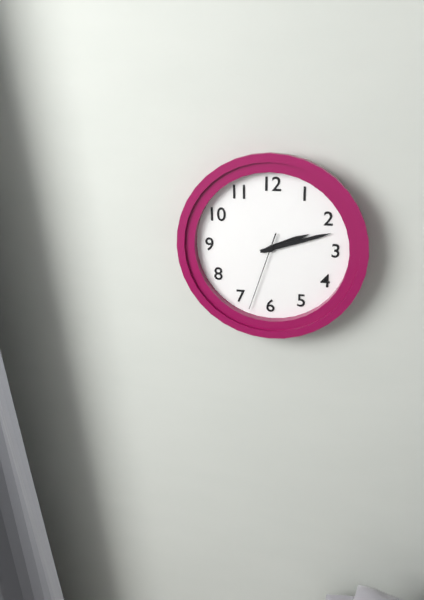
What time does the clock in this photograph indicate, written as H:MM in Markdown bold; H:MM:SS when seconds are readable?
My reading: **2:12:33**
